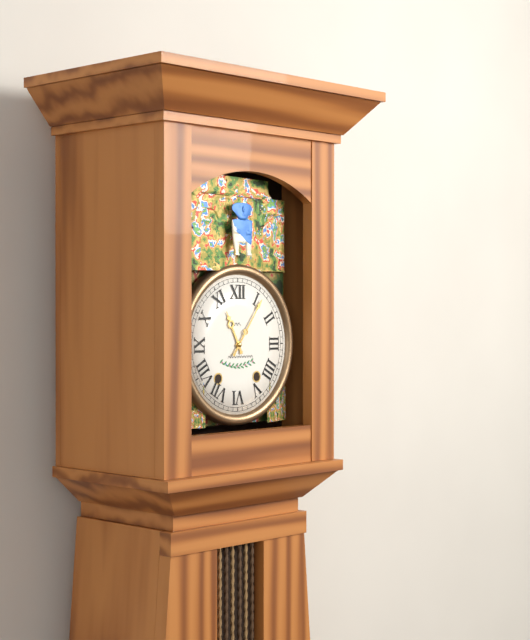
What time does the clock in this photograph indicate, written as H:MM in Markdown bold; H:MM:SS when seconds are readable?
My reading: **11:06**
